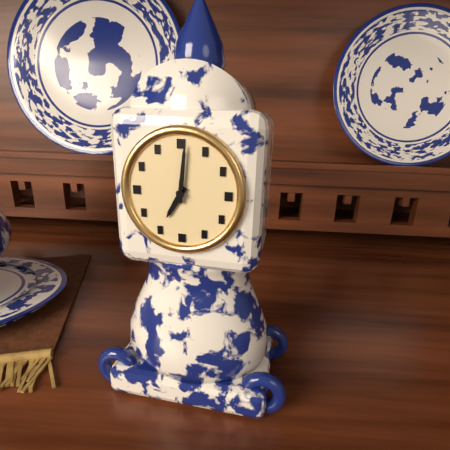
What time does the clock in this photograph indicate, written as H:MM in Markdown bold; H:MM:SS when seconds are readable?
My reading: **7:01**
